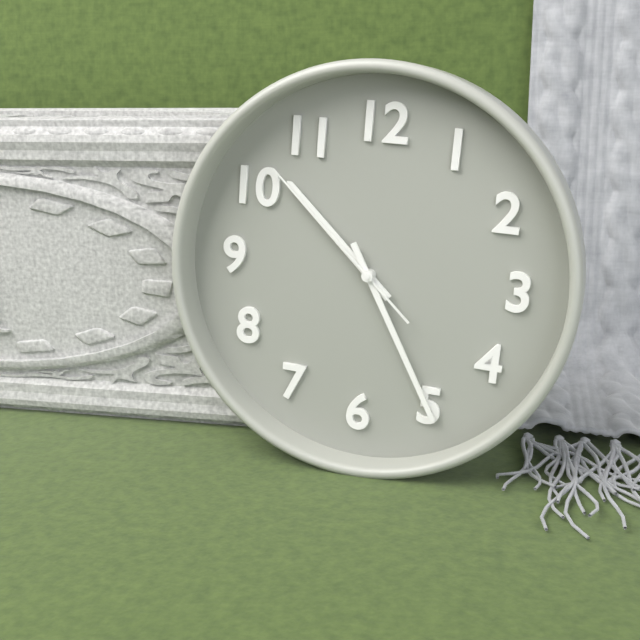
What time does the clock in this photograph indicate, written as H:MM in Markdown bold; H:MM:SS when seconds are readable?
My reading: **10:25:52**
